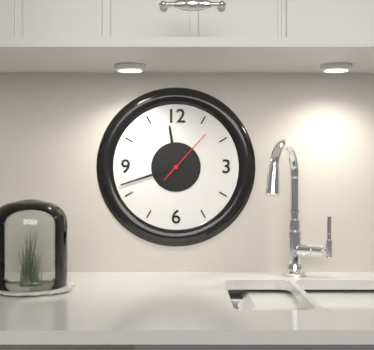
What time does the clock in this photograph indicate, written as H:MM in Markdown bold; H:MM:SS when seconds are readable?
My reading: **11:42:07**
